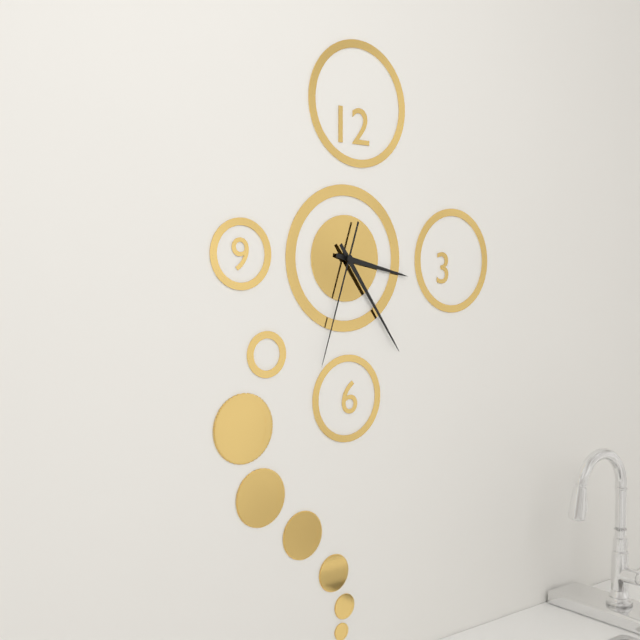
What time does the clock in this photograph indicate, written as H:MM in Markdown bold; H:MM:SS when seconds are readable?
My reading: **3:24:33**
